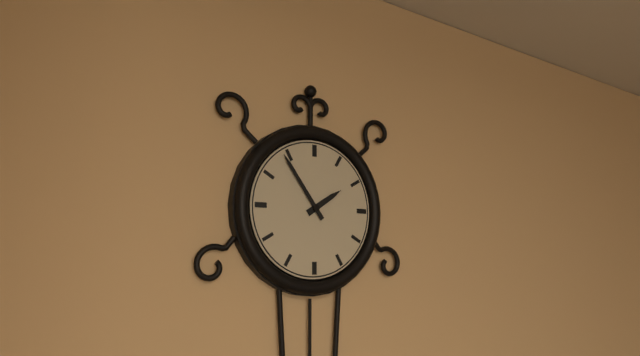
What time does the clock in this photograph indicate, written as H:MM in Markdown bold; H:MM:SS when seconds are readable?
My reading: **1:54**
